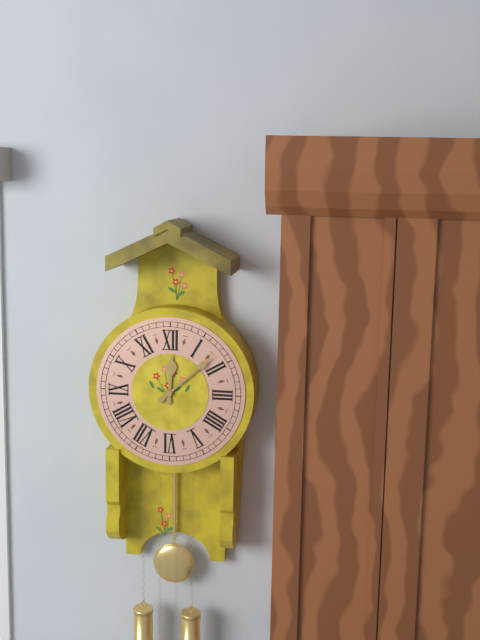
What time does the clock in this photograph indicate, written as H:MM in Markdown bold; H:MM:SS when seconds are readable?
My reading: **12:08**
